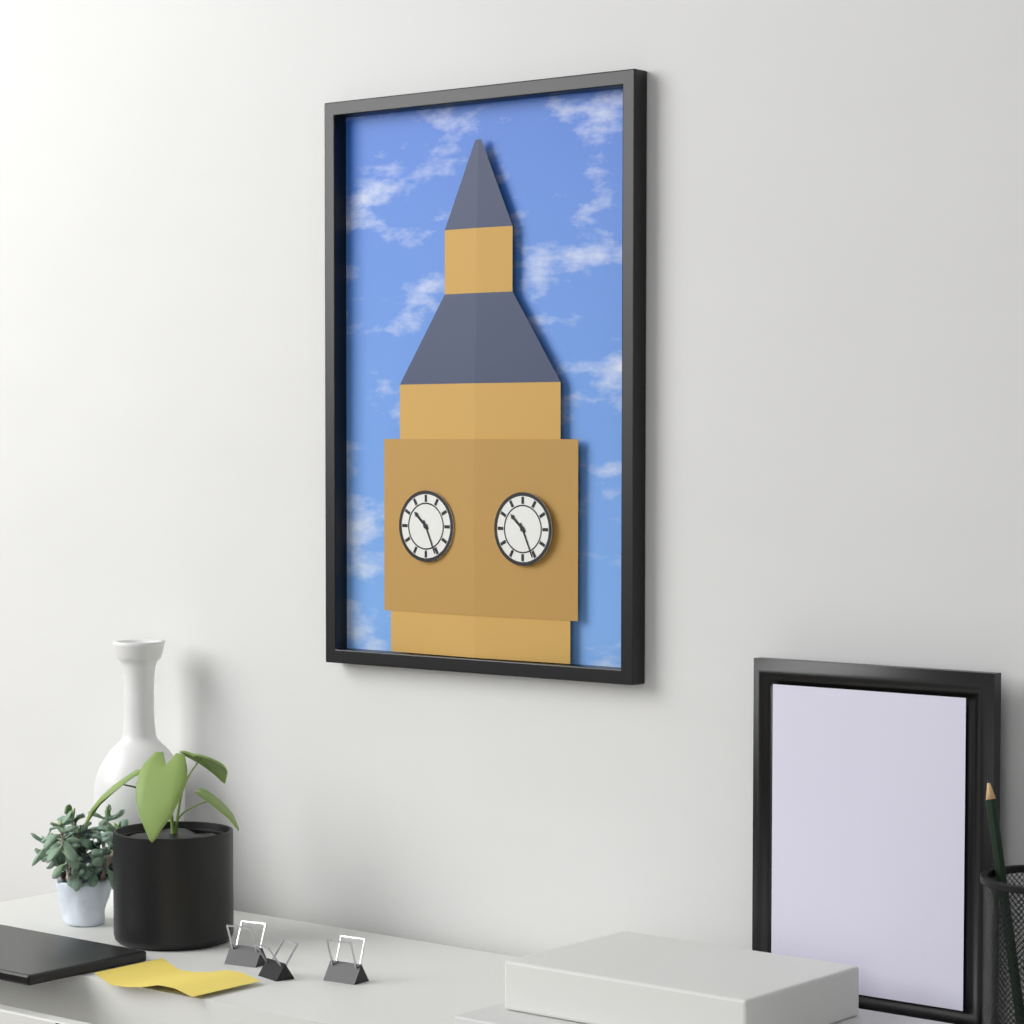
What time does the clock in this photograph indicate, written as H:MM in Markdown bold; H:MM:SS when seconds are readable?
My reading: **10:26**
